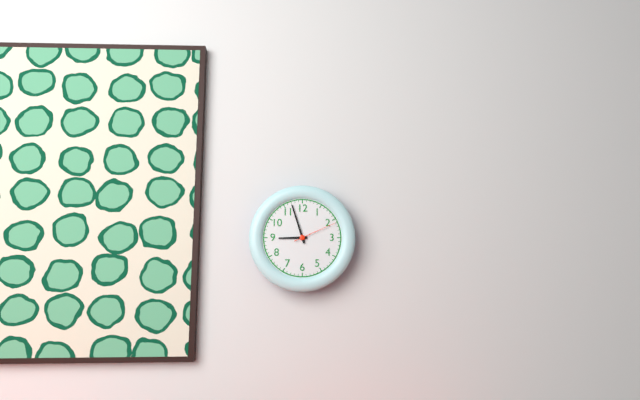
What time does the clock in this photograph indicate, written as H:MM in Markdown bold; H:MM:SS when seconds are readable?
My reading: **8:57**
